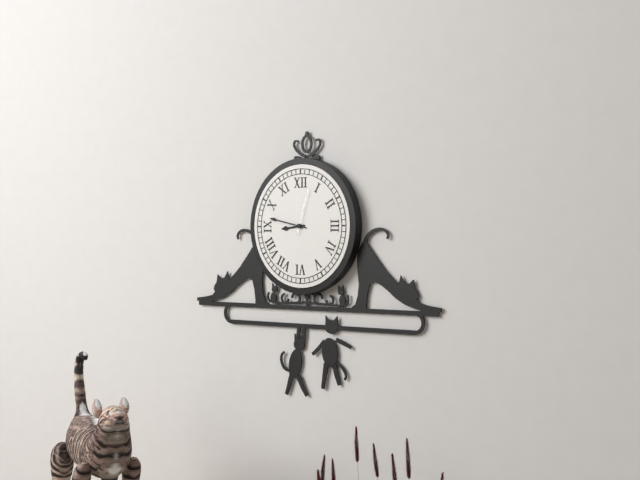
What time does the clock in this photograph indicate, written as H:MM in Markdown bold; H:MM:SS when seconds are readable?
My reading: **8:47**
